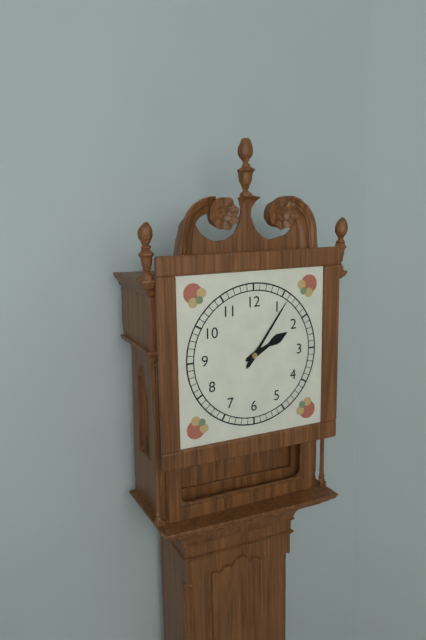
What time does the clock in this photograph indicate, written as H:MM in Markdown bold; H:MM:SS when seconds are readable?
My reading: **2:06**
